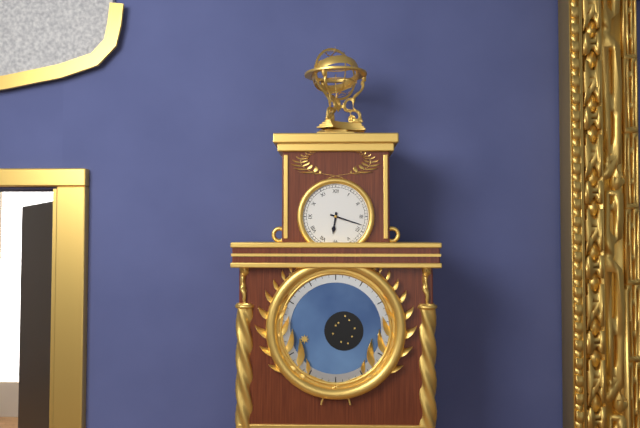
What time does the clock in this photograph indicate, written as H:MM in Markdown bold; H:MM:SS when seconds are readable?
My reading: **6:18**
